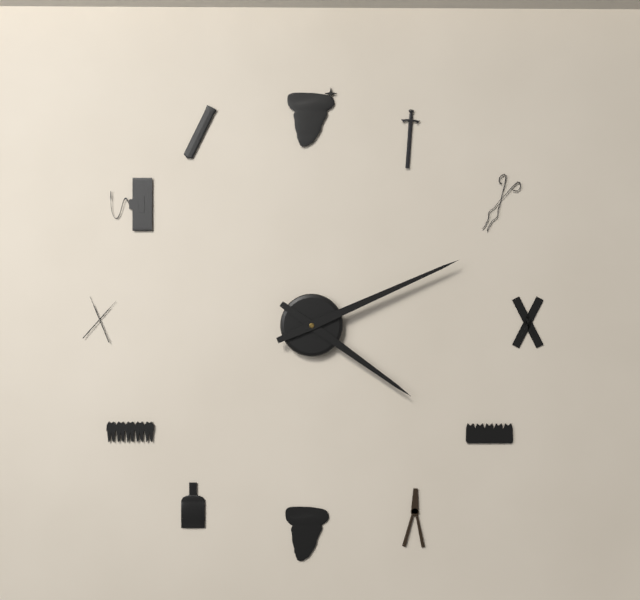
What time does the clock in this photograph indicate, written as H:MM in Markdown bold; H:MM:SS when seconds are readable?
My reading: **4:11**
